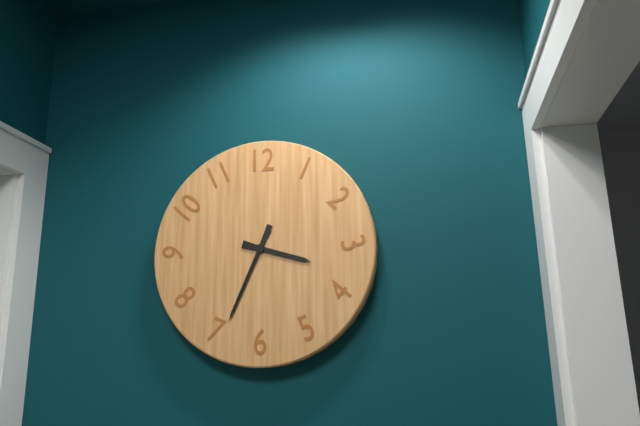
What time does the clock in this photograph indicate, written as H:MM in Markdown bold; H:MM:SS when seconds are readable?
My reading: **3:34**
